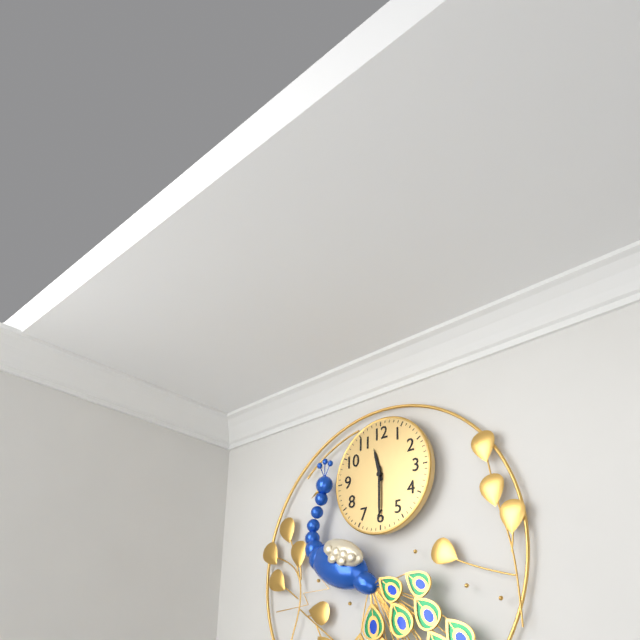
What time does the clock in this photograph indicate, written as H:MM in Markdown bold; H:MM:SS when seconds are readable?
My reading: **11:30**
